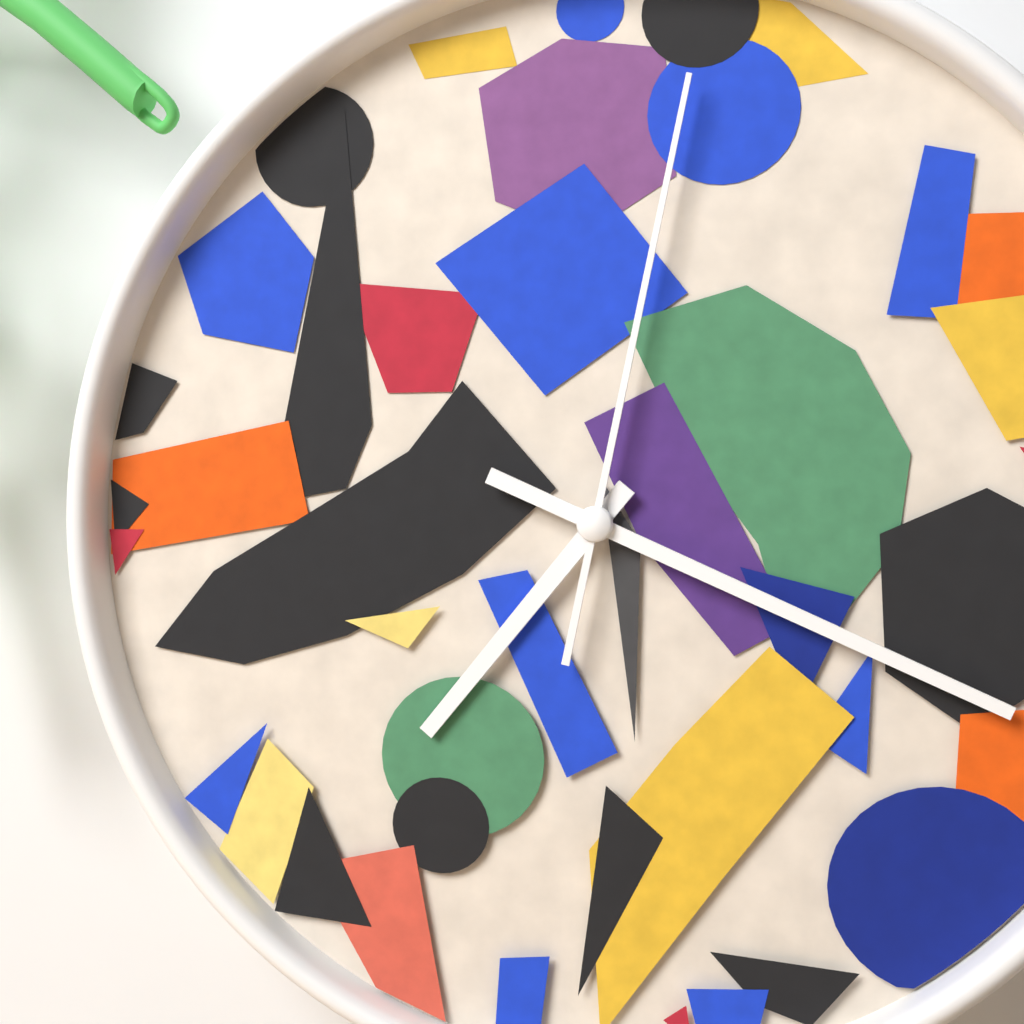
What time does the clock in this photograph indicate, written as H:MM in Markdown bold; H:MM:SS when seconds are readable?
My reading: **7:19:02**
